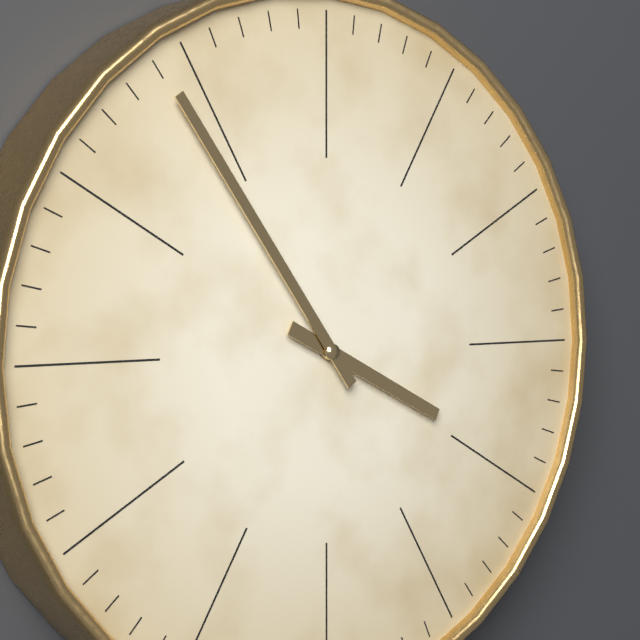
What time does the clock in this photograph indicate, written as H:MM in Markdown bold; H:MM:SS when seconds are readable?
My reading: **3:54**
